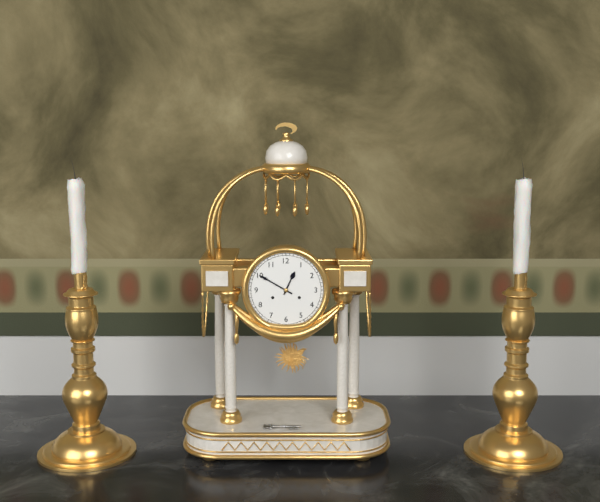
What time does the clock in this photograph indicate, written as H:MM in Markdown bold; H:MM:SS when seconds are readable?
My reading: **12:50**
